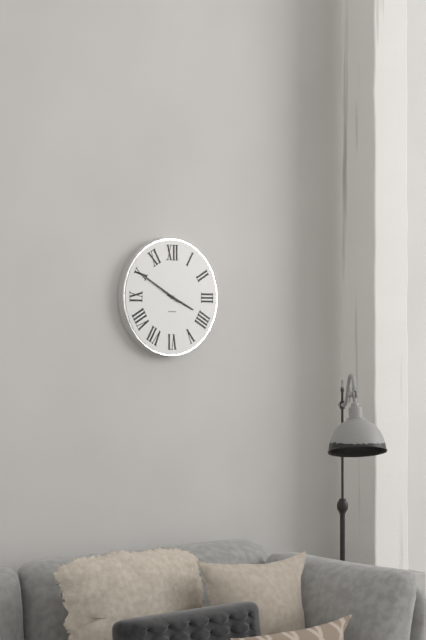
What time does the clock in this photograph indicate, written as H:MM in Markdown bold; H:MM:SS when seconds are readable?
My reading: **3:50**
